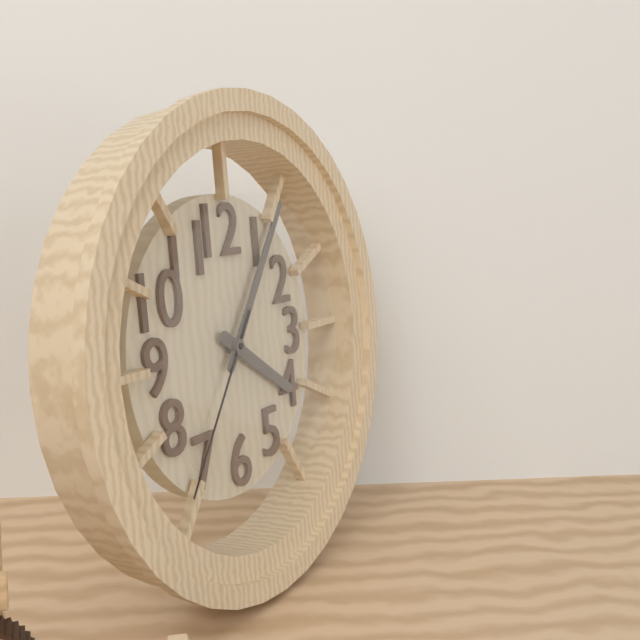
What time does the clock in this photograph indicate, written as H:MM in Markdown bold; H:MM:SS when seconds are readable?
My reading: **4:06:36**
